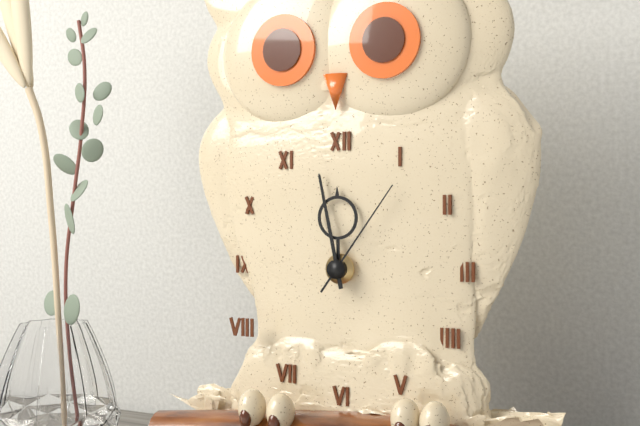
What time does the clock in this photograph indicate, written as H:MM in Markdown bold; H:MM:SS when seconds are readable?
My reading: **11:58:06**
